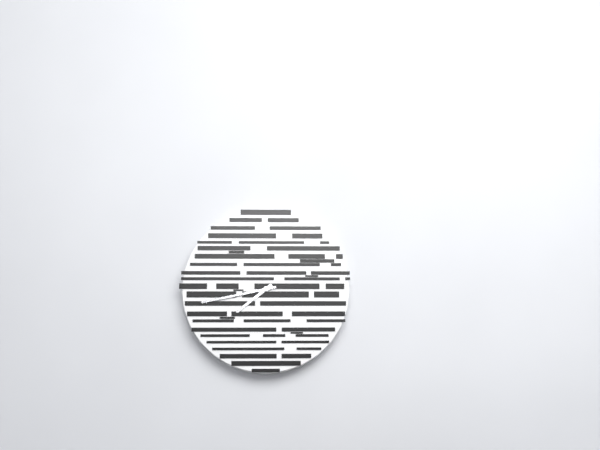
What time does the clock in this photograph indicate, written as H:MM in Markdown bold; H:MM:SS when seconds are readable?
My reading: **7:43**
